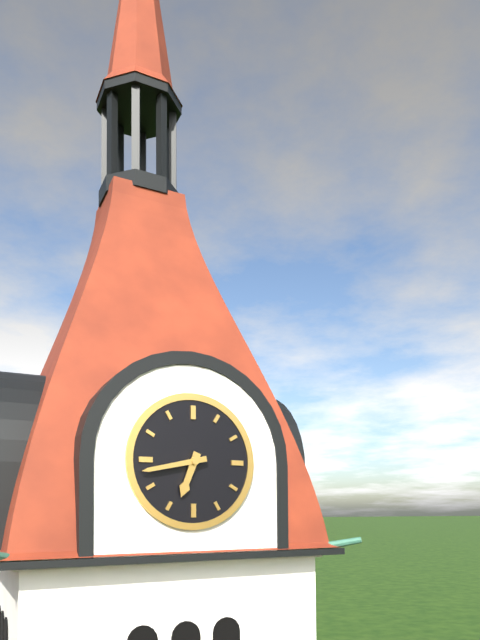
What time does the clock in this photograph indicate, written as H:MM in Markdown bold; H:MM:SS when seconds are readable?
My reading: **6:43**
